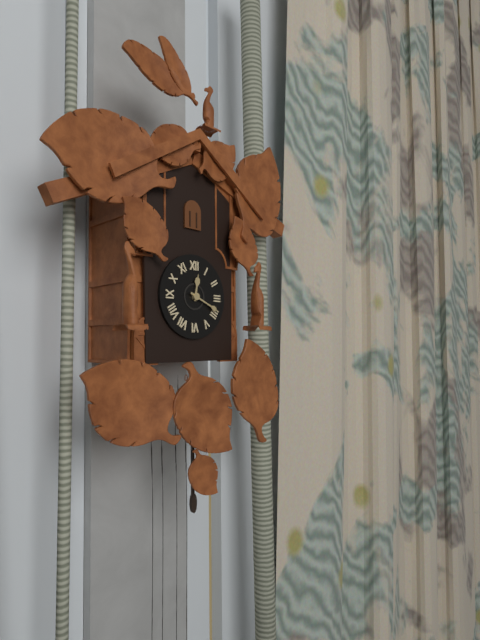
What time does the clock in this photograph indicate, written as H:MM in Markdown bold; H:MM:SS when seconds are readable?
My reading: **12:19**
